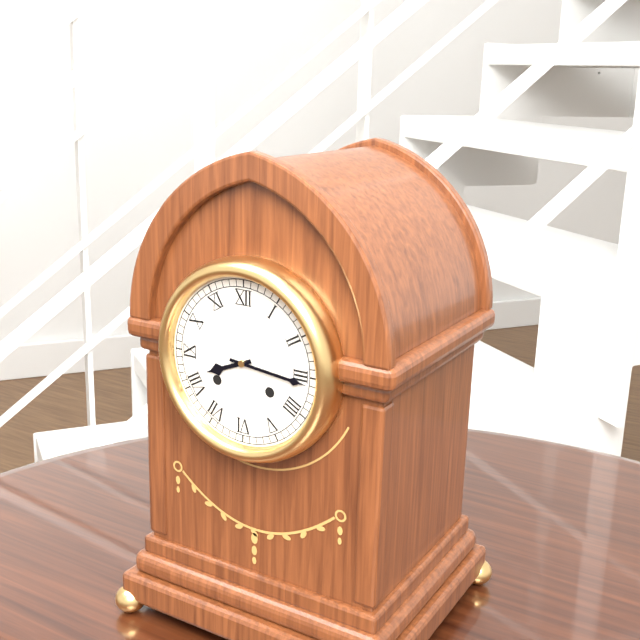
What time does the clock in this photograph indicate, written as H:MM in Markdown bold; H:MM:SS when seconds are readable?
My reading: **8:16**
